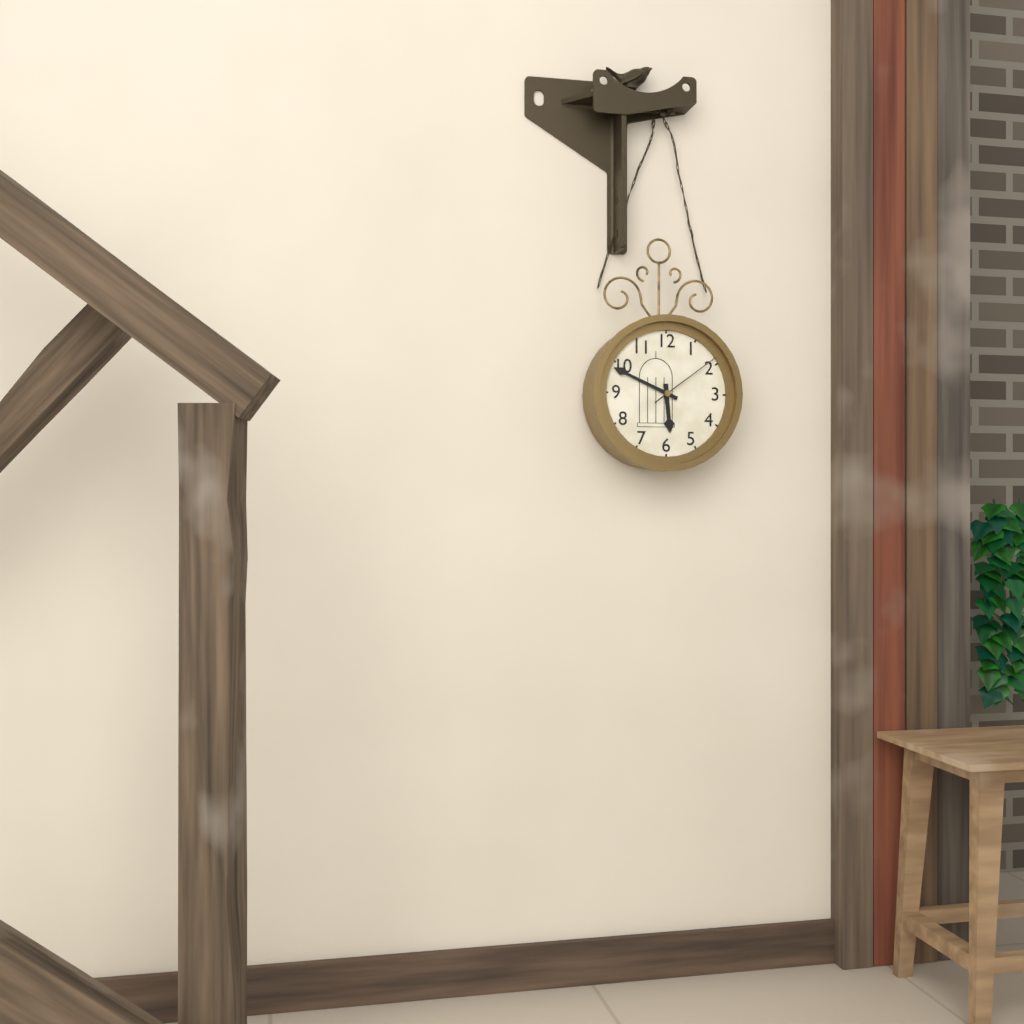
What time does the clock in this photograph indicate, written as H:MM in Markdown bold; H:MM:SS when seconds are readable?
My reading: **5:49:09**
